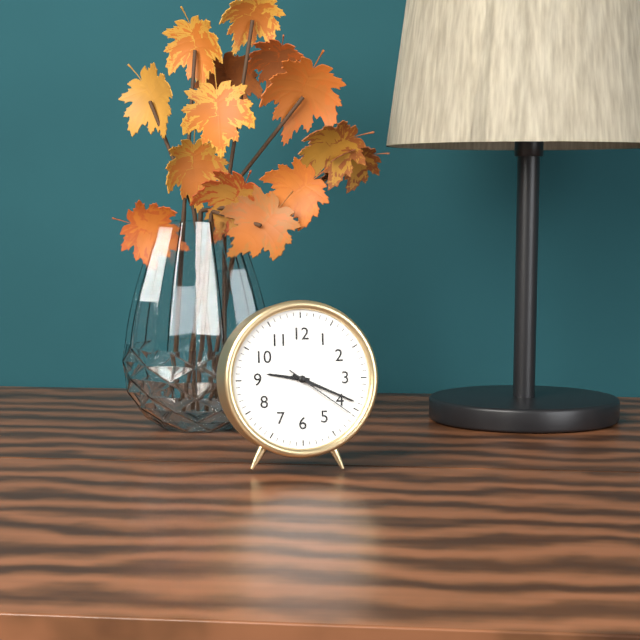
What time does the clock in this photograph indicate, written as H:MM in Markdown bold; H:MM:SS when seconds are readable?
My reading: **9:19:21**
